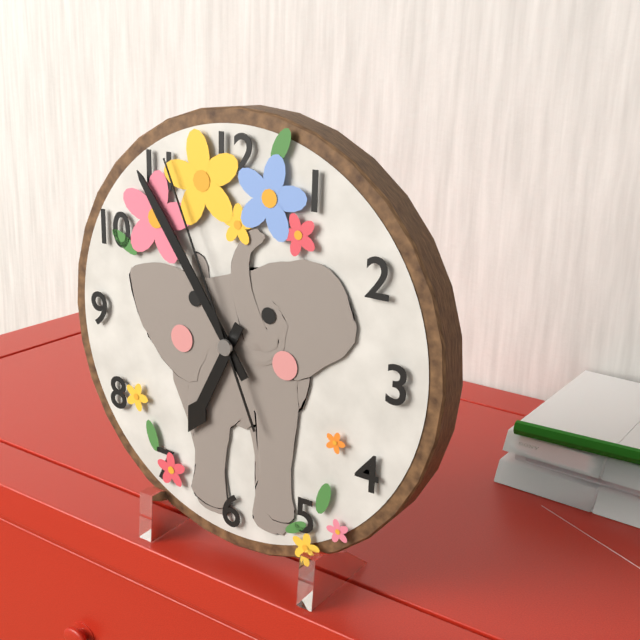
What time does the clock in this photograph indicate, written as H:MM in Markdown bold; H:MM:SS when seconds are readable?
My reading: **6:54:56**
